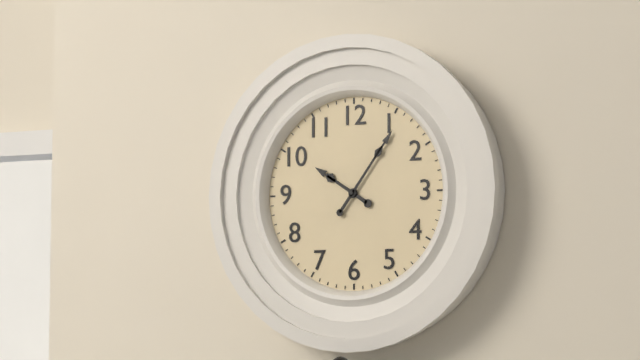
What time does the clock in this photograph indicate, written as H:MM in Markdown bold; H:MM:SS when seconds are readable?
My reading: **10:06**
